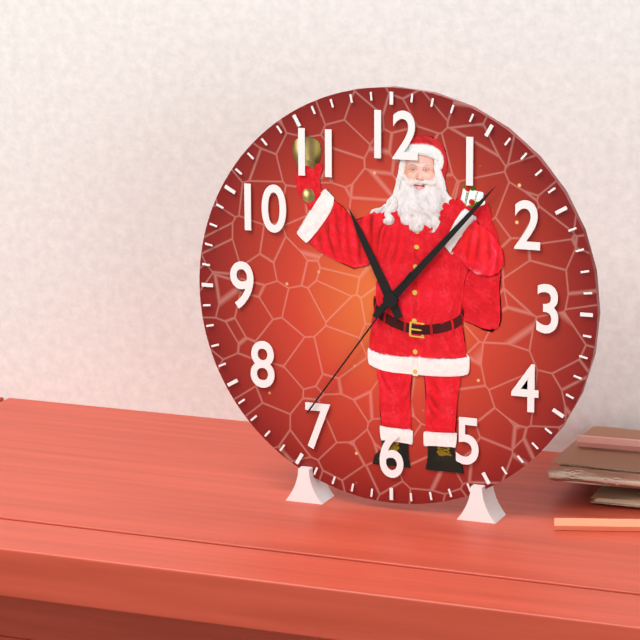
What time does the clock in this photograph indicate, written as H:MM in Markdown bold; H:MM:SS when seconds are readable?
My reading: **11:07:36**
